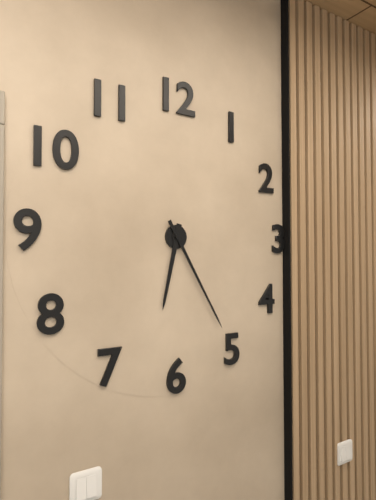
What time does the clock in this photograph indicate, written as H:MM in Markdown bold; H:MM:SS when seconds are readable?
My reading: **6:25**
